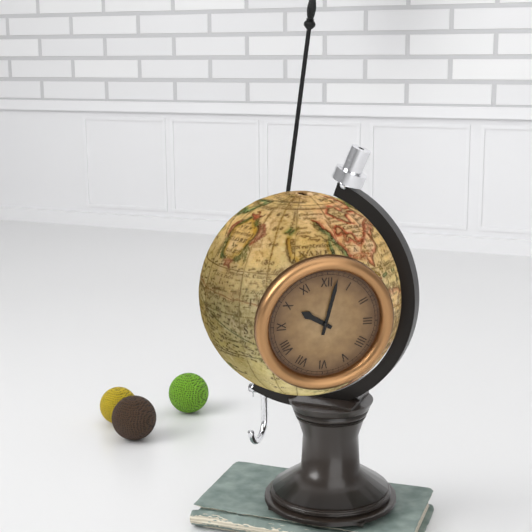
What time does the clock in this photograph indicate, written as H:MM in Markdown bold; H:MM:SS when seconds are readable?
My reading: **10:02**
